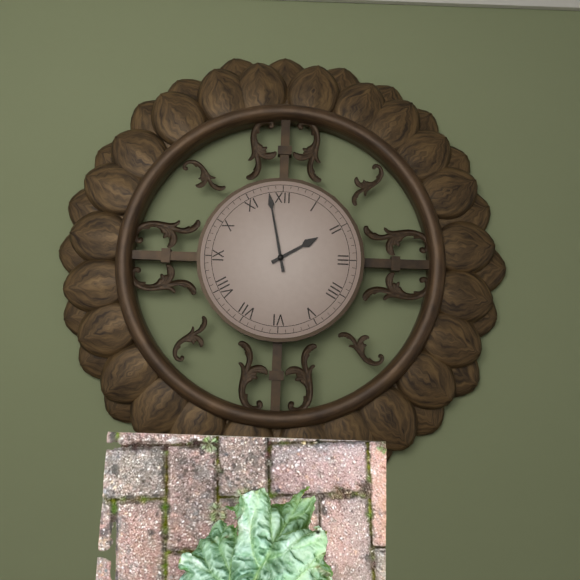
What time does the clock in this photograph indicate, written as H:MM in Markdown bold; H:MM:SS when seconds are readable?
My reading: **1:58**
